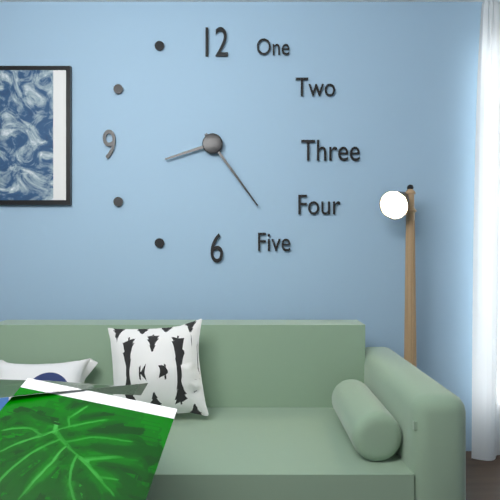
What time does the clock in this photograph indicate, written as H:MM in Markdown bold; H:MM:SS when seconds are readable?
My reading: **8:24**
